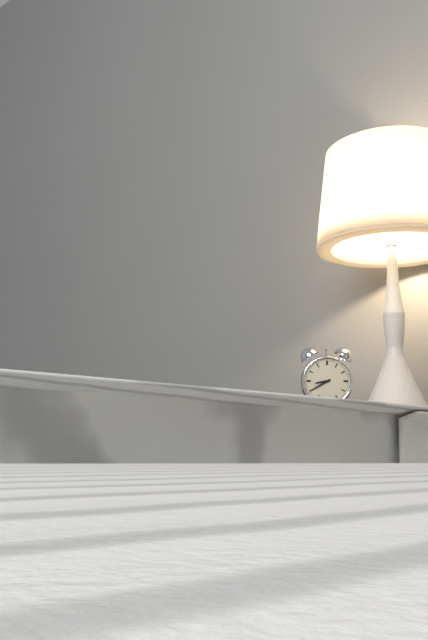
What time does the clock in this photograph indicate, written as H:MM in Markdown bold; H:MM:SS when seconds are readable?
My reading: **8:40**
